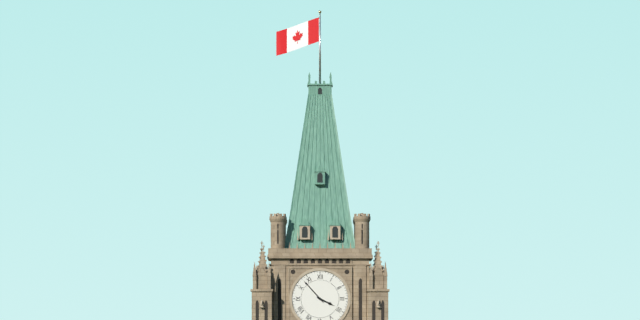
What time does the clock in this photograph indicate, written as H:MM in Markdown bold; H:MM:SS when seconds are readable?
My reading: **3:53**
